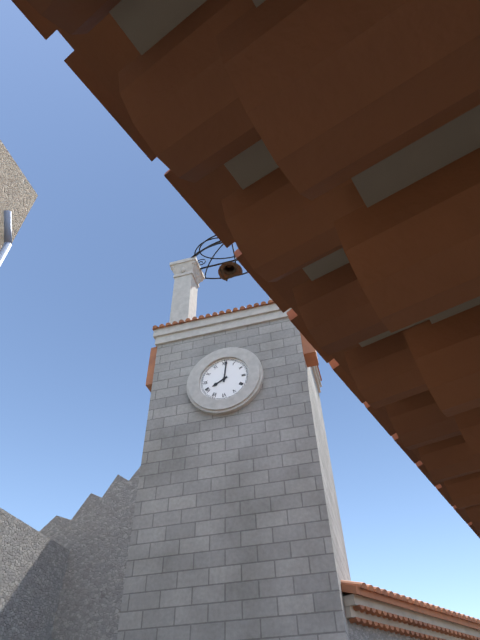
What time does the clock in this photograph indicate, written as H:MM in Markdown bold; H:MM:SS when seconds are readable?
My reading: **8:01**
